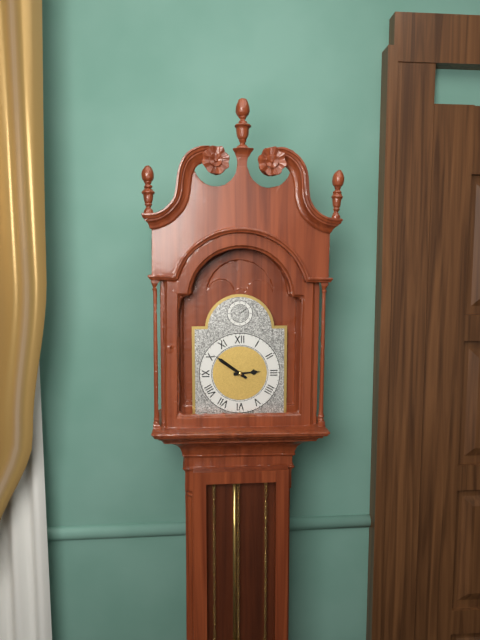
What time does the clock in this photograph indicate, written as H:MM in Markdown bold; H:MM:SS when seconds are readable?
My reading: **2:51**
